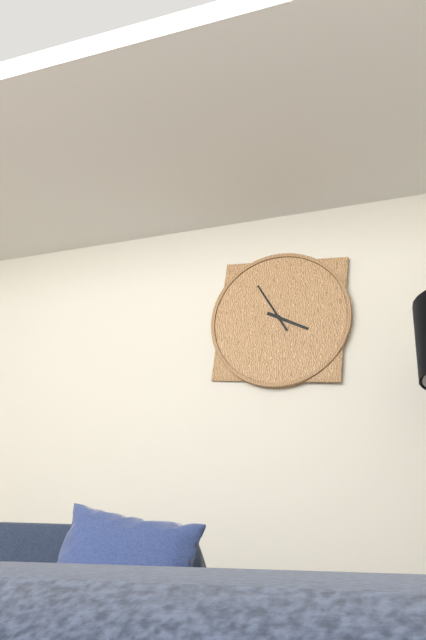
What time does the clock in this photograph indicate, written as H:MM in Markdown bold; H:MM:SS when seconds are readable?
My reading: **3:55**
